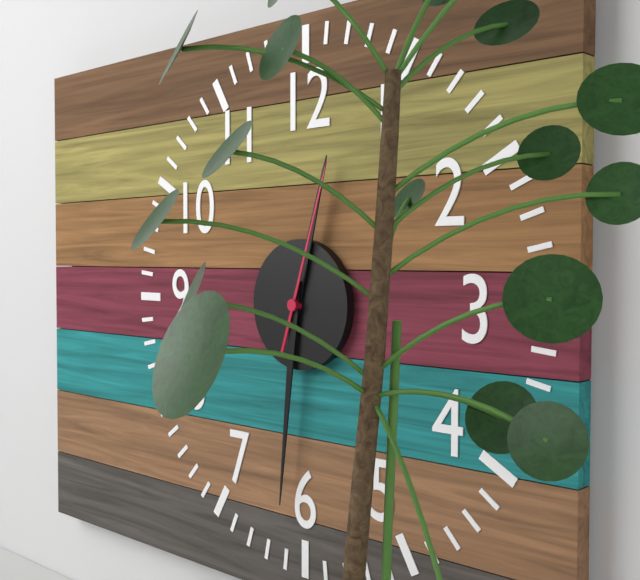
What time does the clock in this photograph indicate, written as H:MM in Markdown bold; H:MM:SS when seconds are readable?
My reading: **12:31:03**
